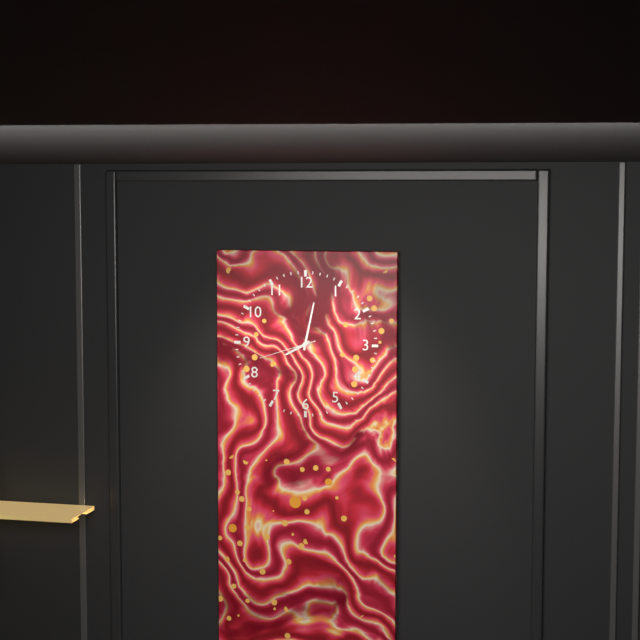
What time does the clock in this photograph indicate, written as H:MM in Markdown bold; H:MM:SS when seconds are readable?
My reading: **8:02:42**
